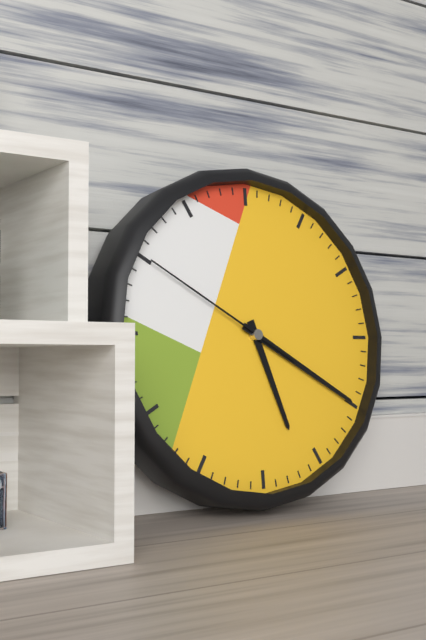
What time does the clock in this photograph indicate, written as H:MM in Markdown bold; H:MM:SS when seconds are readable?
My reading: **5:20:50**
